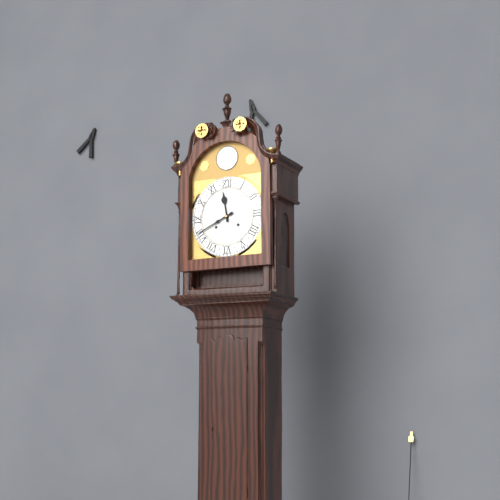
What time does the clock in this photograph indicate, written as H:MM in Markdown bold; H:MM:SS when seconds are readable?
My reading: **11:41**
